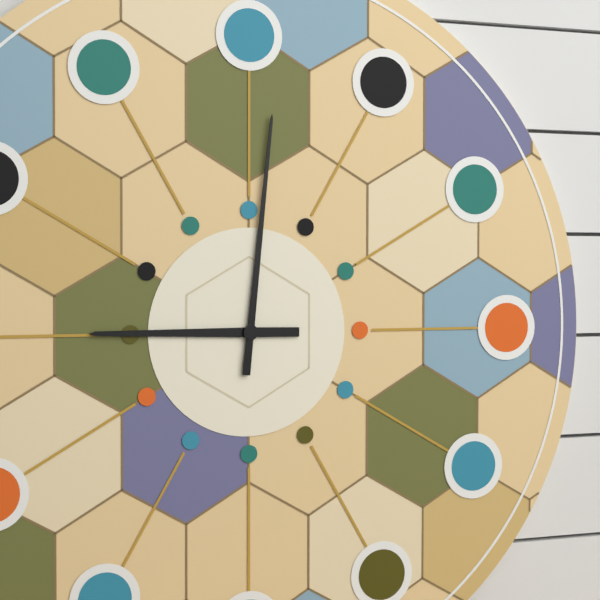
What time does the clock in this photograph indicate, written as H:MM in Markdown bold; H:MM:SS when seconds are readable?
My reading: **9:01**
